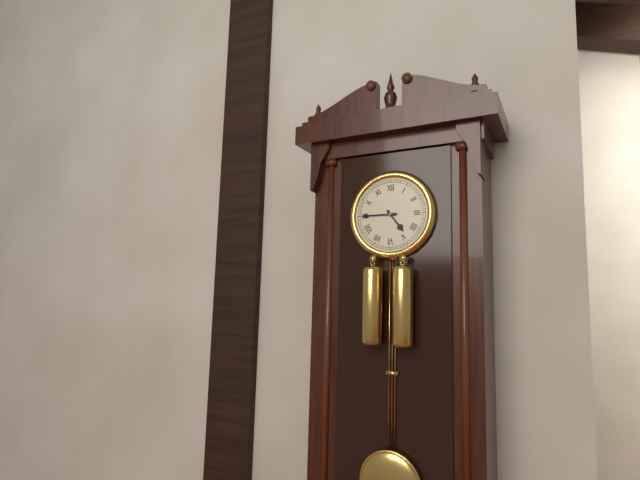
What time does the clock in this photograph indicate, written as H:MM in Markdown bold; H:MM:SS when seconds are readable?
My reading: **4:45**
